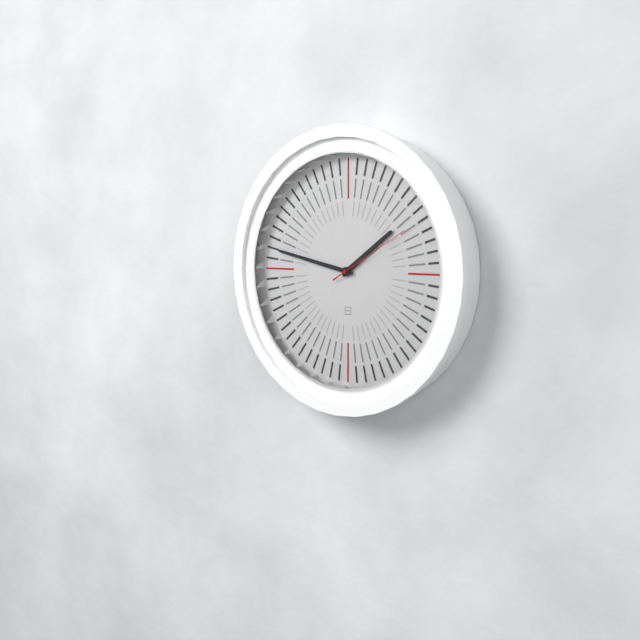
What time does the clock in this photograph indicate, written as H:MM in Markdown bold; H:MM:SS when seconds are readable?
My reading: **1:47:10**
